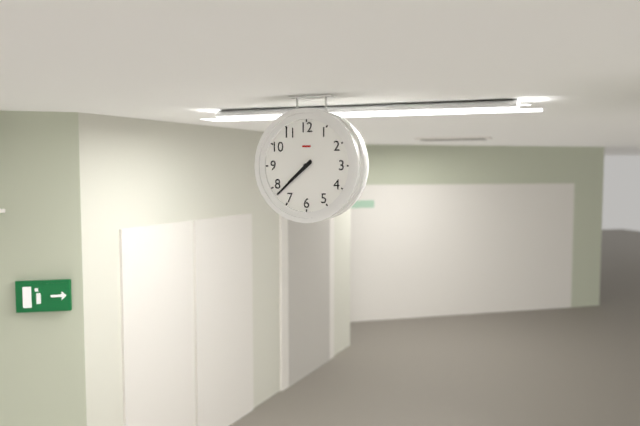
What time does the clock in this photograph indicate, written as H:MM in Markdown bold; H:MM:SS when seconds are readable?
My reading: **7:38**
